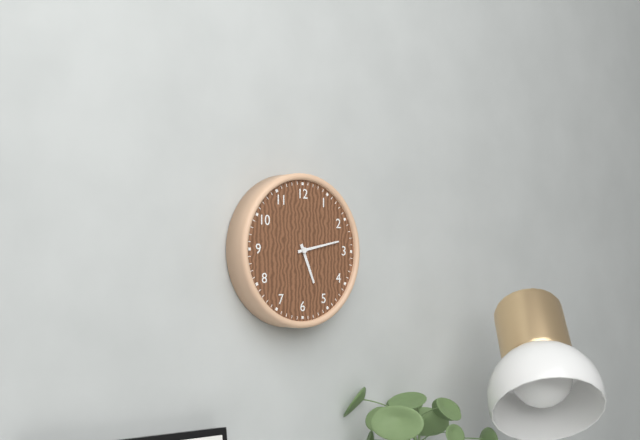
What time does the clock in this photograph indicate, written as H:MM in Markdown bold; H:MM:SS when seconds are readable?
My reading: **5:13**
